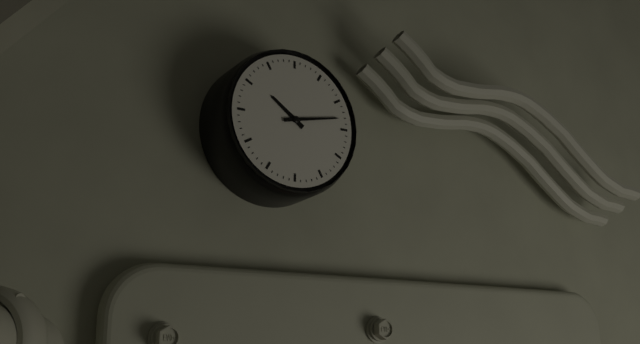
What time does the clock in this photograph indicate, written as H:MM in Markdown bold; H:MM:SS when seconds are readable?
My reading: **10:13**
